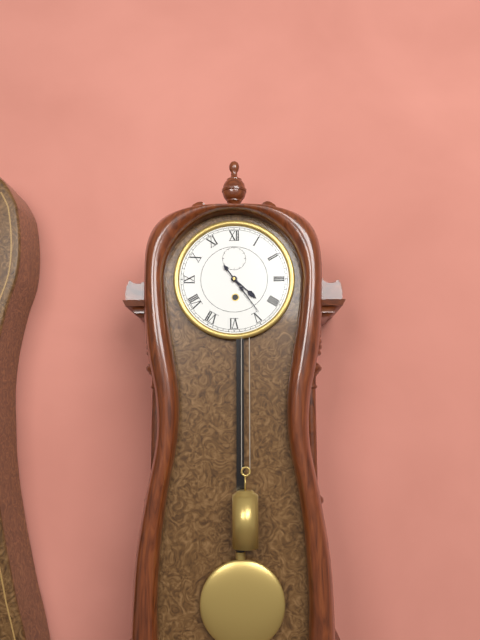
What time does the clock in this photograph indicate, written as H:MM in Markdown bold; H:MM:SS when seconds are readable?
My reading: **4:24**
